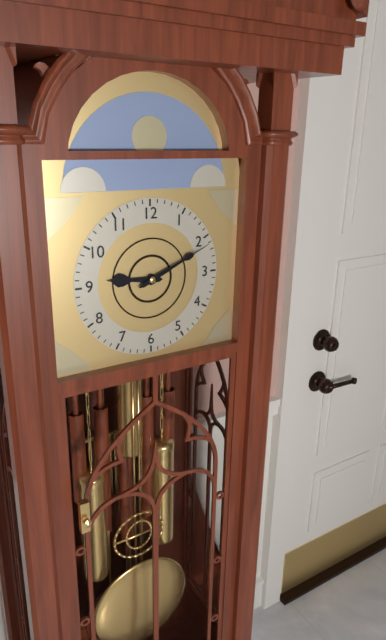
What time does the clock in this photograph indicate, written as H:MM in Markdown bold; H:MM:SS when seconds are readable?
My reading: **9:11**
